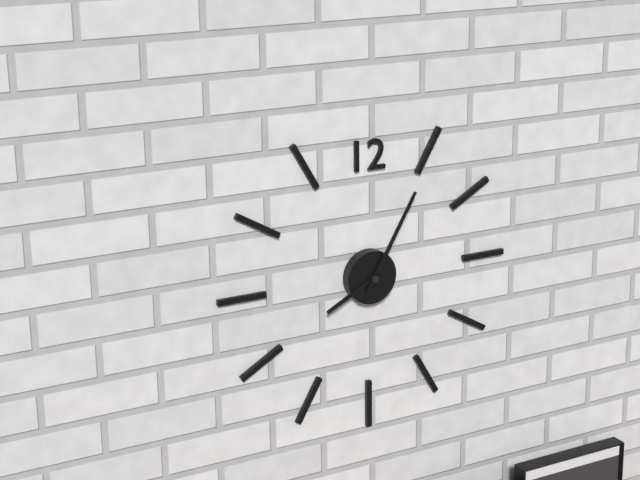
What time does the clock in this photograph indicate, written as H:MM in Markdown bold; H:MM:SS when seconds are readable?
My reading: **8:05**
